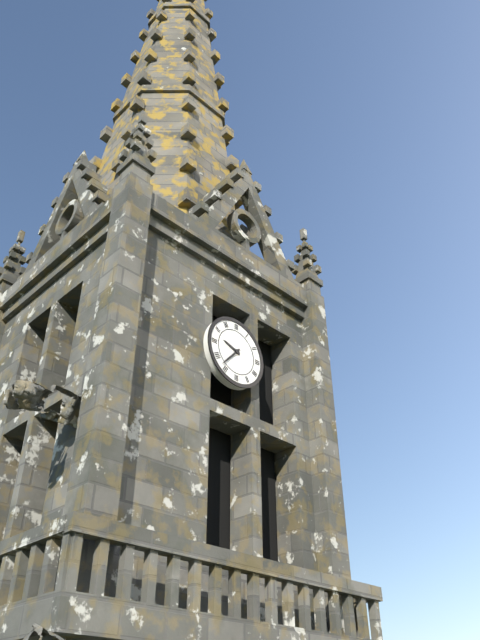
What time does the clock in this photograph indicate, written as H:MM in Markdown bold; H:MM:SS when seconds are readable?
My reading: **9:37**
